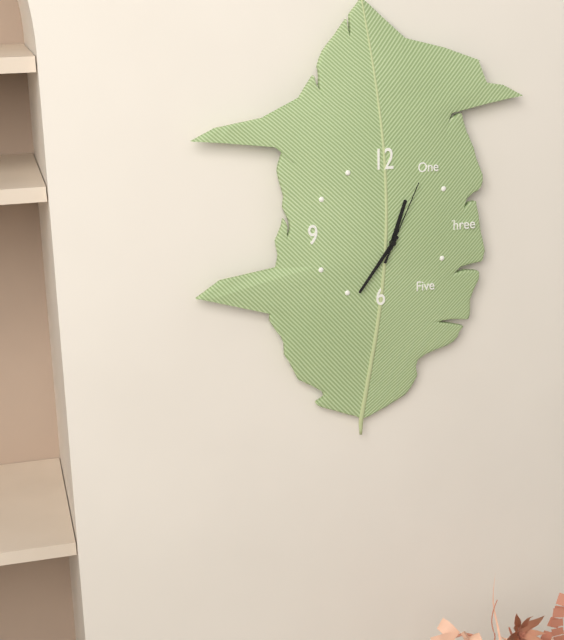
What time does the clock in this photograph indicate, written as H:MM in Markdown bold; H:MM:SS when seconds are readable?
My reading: **12:36:04**
